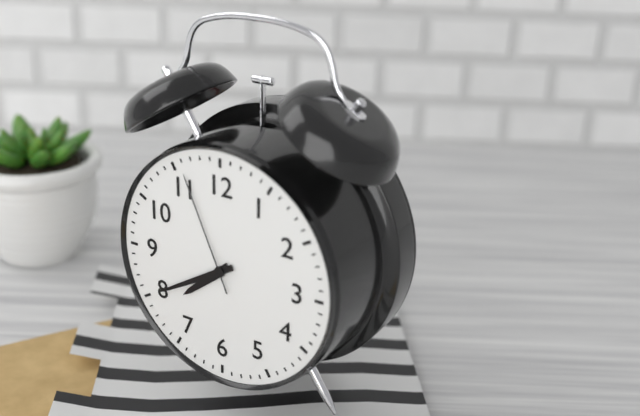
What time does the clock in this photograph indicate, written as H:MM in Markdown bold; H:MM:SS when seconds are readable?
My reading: **7:40:56**
